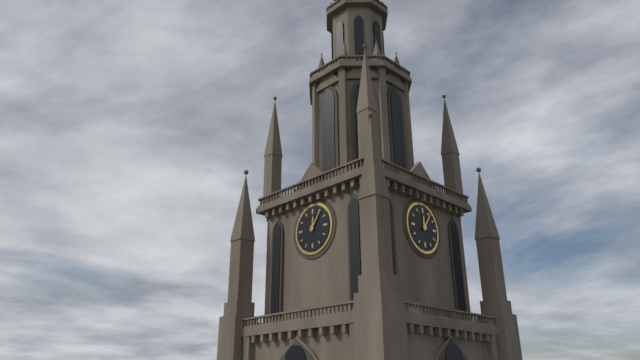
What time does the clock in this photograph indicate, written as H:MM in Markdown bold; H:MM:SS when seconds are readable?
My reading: **12:06**
